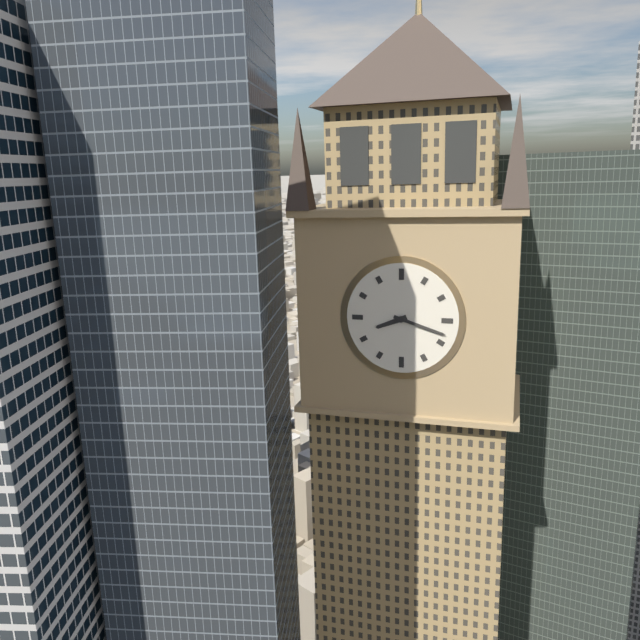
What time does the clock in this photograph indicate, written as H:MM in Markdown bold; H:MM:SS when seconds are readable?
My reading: **8:18**
